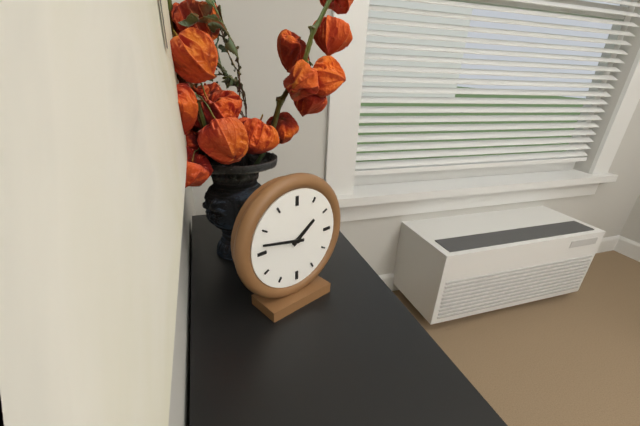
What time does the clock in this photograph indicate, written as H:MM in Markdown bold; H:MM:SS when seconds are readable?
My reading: **1:47**
